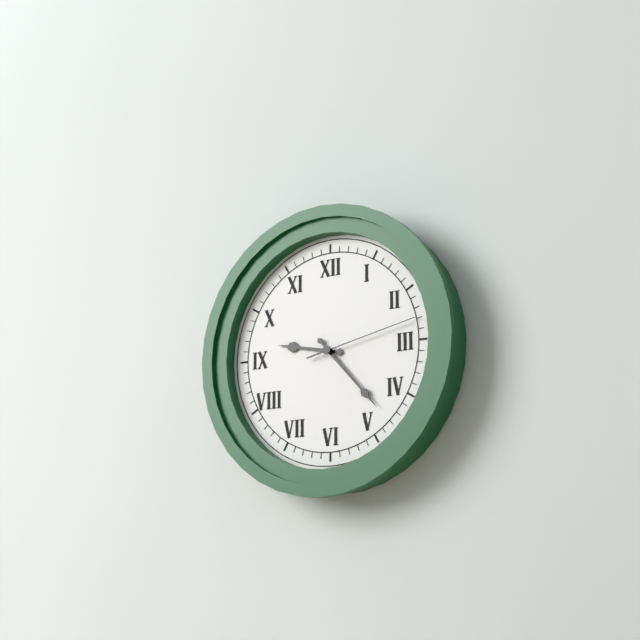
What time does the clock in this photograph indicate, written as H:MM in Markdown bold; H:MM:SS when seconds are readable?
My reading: **9:23:13**
